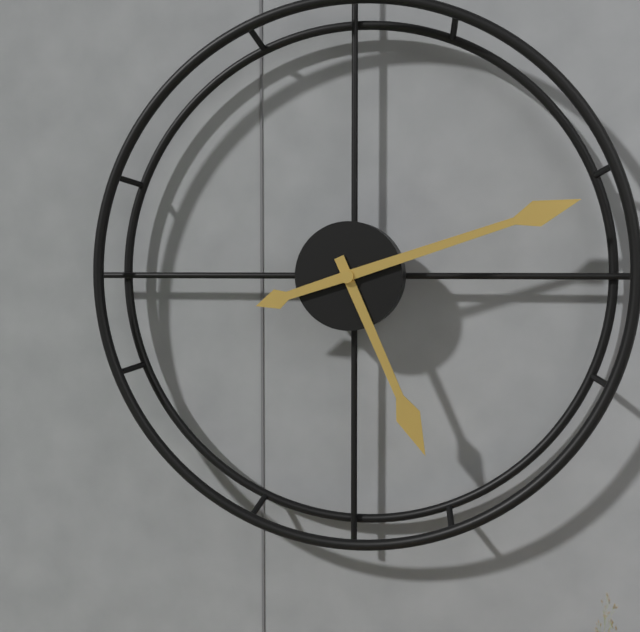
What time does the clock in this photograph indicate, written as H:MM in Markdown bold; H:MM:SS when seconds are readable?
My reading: **5:12**
